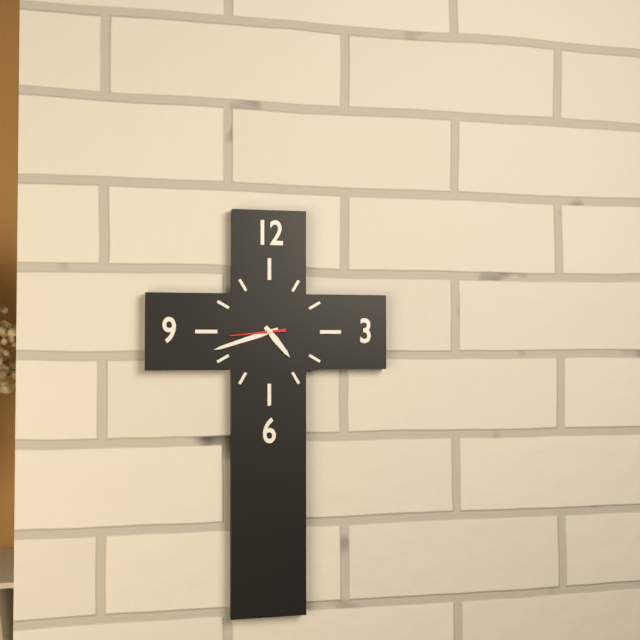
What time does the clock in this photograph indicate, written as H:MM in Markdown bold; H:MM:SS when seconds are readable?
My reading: **4:42:44**
